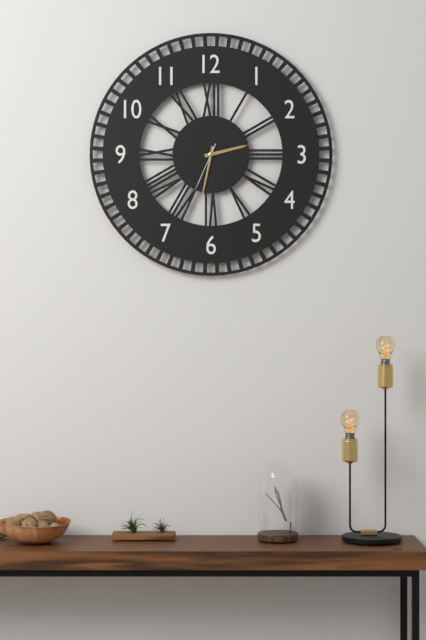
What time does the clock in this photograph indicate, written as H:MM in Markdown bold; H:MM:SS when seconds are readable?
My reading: **2:32:34**
